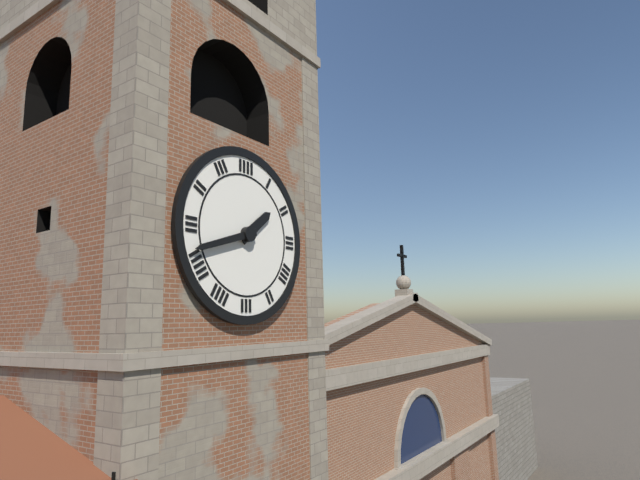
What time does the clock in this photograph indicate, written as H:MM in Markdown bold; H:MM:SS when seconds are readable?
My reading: **1:42**
